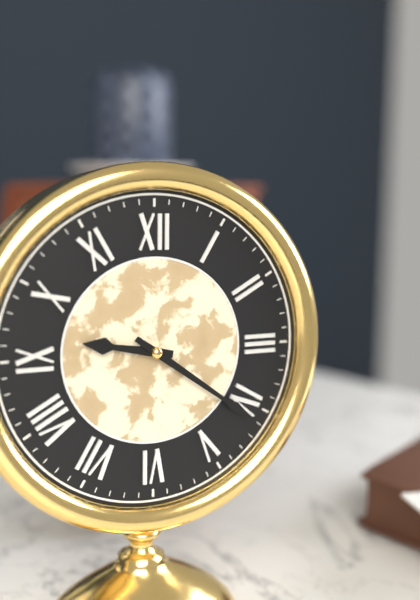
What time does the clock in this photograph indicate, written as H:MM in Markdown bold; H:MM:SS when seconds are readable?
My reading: **9:21**
